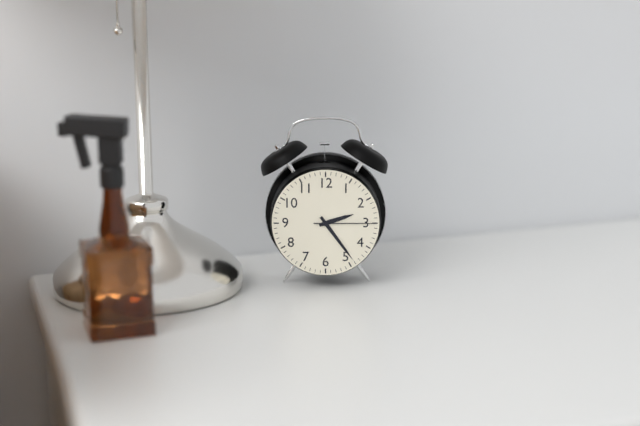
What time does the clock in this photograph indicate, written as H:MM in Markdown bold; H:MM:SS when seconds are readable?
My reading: **2:24:15**
